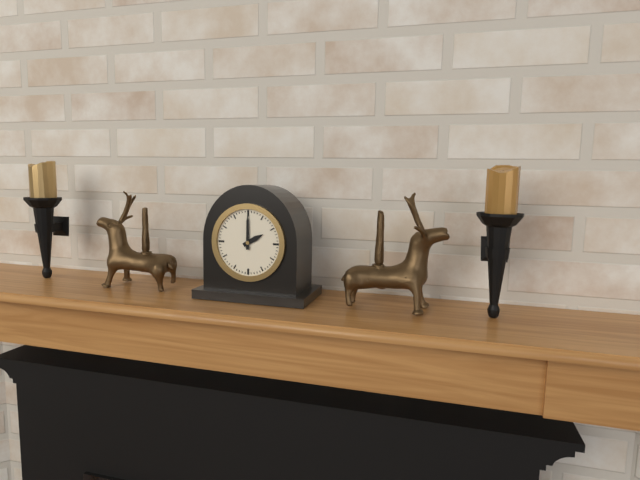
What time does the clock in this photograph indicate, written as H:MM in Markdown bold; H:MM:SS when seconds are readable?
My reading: **2:00**
